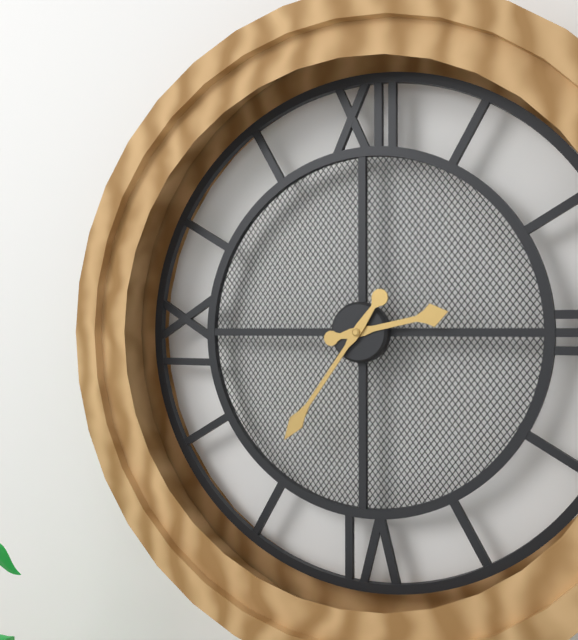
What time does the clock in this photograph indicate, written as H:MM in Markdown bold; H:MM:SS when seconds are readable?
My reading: **2:36**
